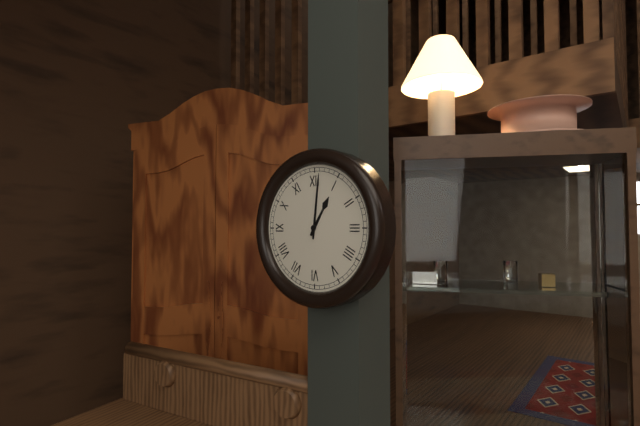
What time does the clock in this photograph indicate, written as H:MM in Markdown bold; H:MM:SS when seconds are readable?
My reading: **1:01**
